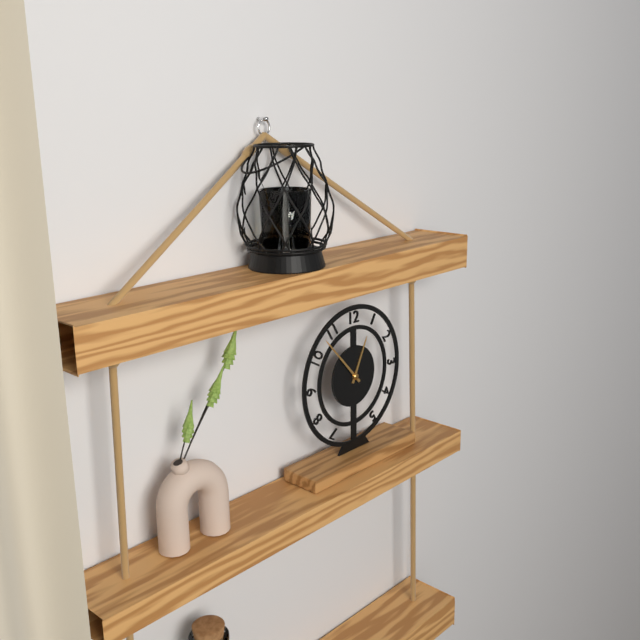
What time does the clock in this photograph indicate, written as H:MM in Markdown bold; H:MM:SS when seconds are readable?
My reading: **12:53**
